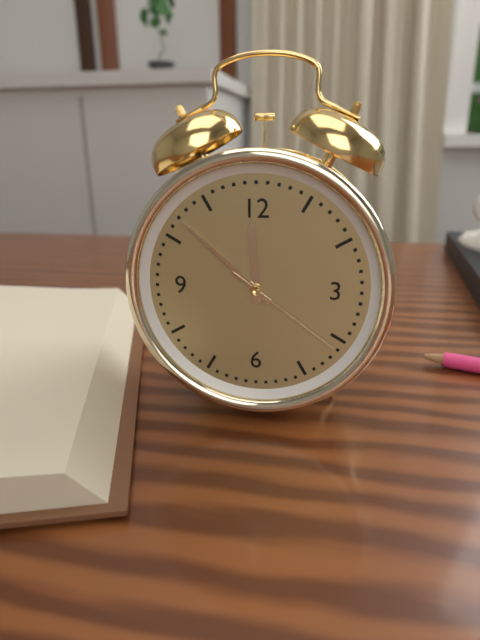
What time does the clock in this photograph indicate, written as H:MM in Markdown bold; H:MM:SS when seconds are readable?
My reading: **11:52:21**
